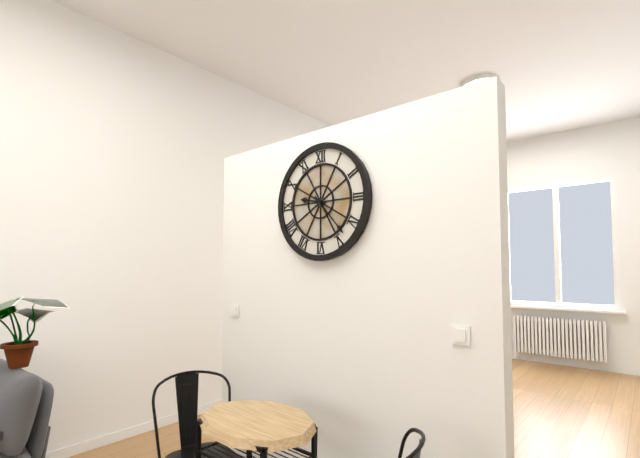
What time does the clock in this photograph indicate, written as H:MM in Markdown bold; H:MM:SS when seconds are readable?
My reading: **9:23**
